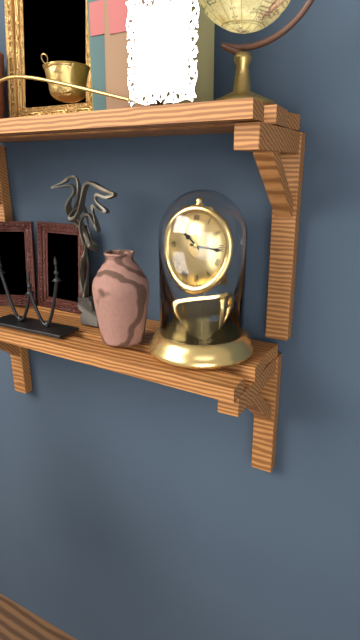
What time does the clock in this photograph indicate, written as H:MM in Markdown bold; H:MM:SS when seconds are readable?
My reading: **10:16**
